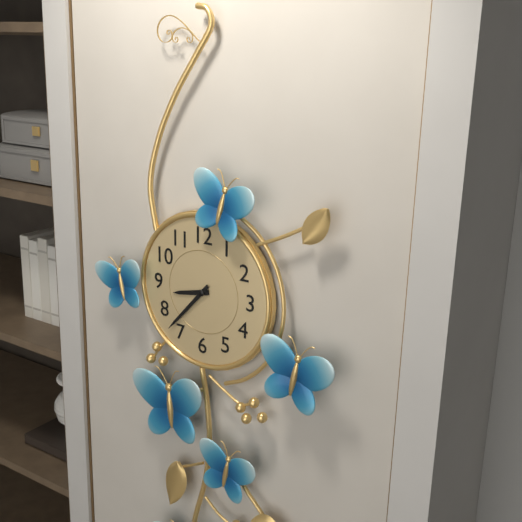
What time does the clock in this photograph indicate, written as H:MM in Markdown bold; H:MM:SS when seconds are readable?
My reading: **8:37**
